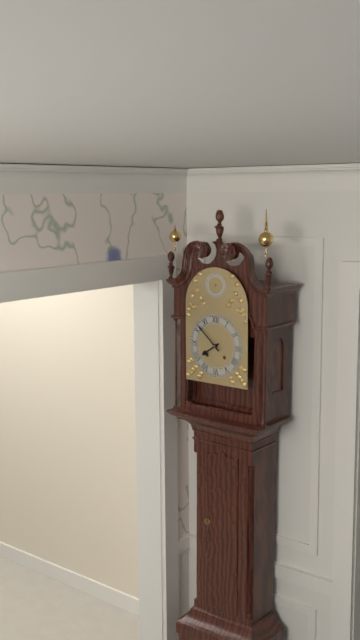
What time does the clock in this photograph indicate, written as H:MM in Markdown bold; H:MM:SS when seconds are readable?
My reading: **7:52**
